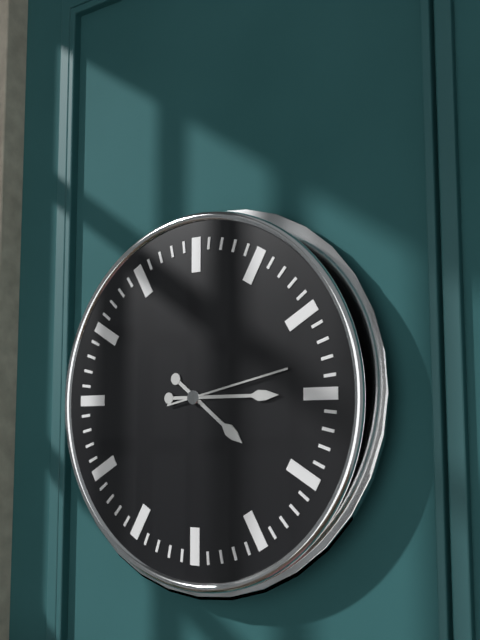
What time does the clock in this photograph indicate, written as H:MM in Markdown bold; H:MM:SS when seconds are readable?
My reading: **4:15:13**
